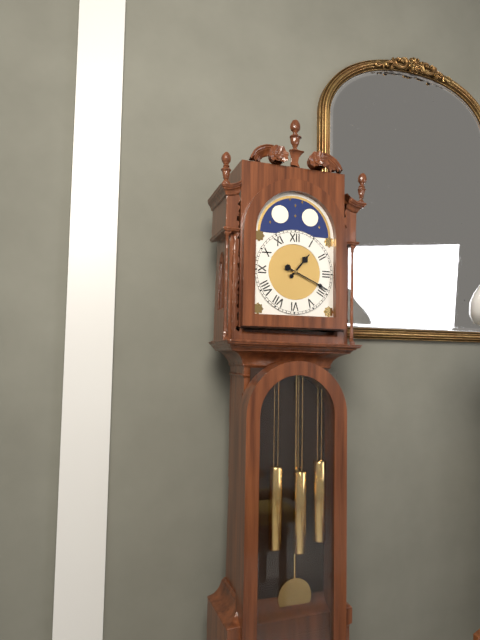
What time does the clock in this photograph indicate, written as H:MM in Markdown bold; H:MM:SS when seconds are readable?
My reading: **1:19**
